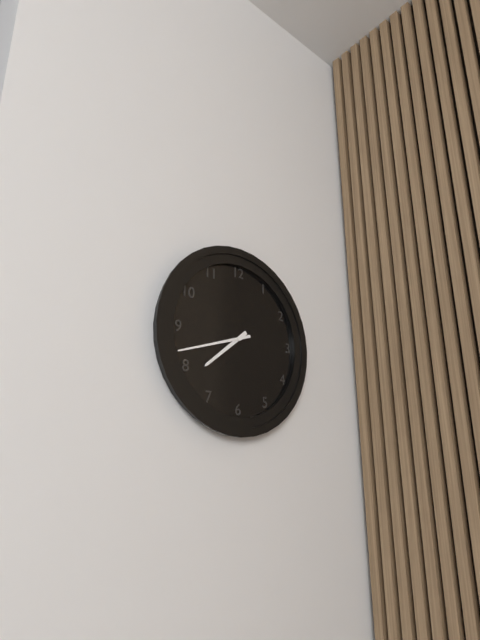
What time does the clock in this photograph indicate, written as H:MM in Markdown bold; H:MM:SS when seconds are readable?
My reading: **7:42**
